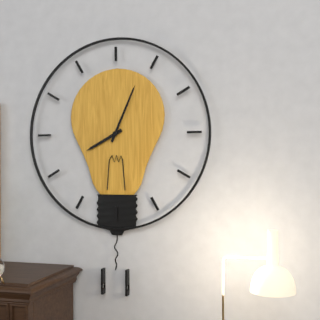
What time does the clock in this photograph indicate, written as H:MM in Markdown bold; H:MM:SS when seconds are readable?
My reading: **8:04**
